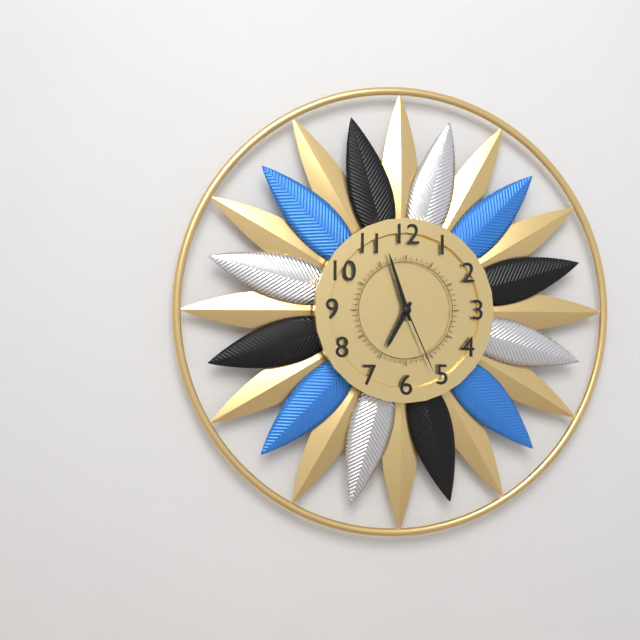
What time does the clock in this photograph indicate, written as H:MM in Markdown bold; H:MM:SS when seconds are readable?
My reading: **6:57:26**
